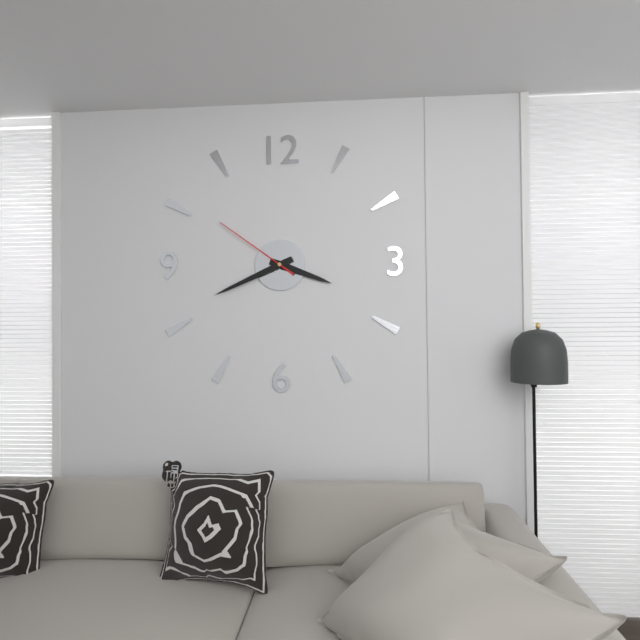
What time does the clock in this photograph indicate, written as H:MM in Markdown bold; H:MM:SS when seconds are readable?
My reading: **3:41:51**
